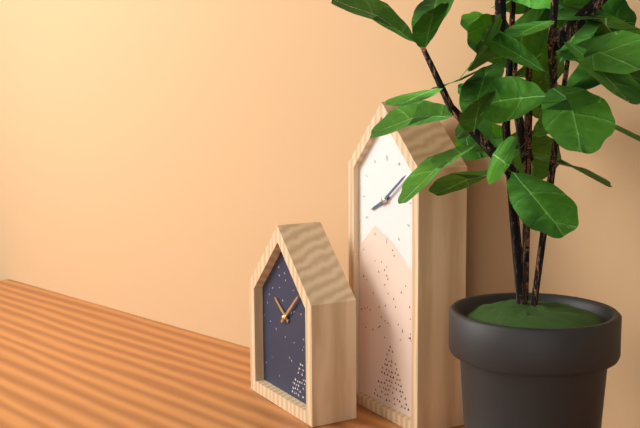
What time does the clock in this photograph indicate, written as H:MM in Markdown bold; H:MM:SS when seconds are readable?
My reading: **8:09**
